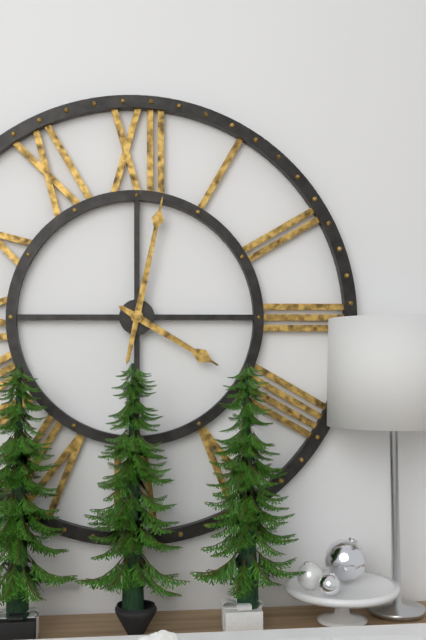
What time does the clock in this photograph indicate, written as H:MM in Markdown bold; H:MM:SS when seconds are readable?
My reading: **4:02**
